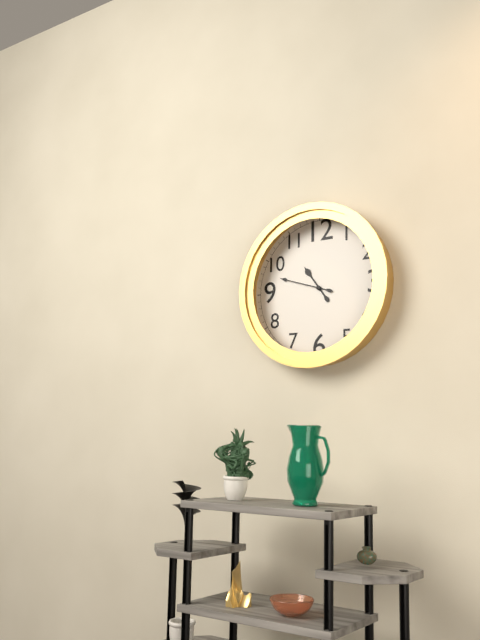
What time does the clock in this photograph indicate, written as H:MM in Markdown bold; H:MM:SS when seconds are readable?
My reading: **10:48**
